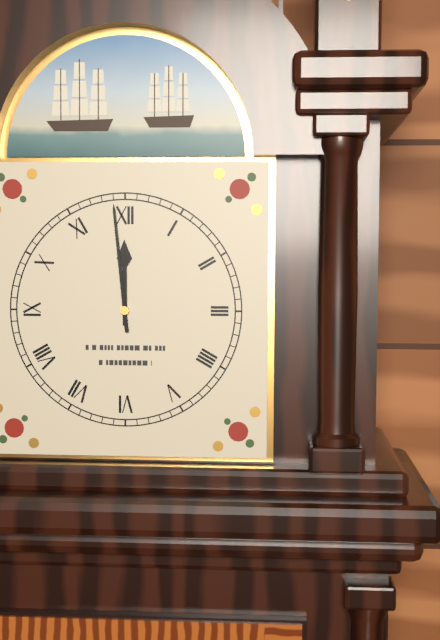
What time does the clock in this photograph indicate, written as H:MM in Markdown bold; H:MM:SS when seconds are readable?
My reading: **11:59**
